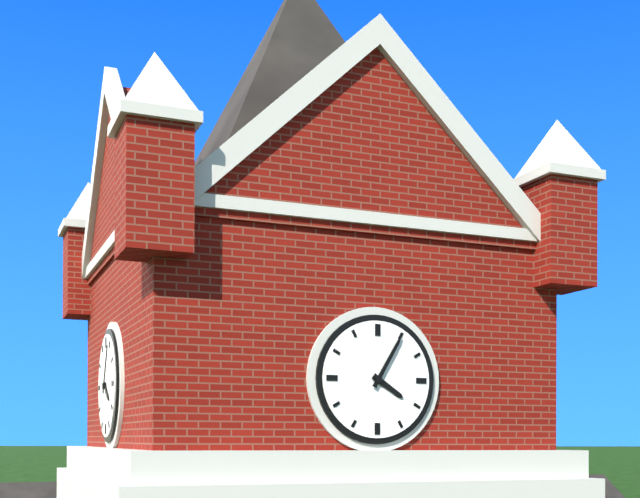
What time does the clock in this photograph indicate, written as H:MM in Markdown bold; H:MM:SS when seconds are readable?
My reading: **4:05**
